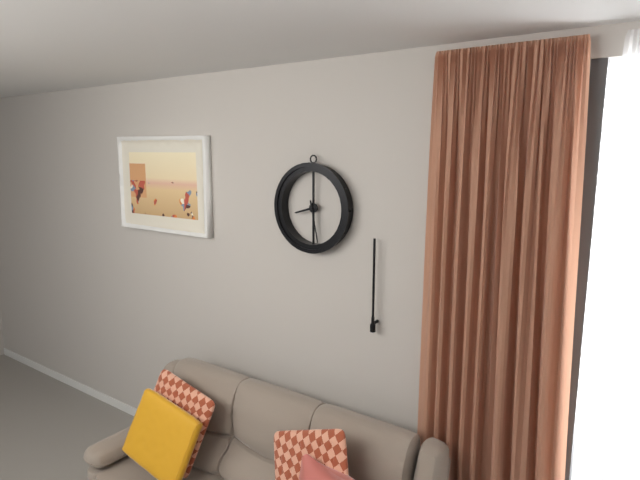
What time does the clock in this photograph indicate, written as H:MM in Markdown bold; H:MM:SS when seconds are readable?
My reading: **8:28**
